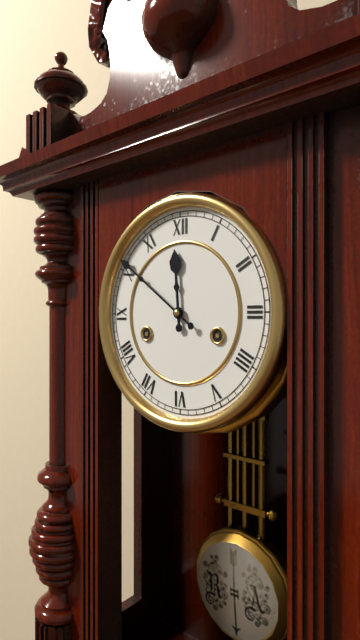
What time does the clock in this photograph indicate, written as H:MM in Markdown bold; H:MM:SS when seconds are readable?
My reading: **11:51**
